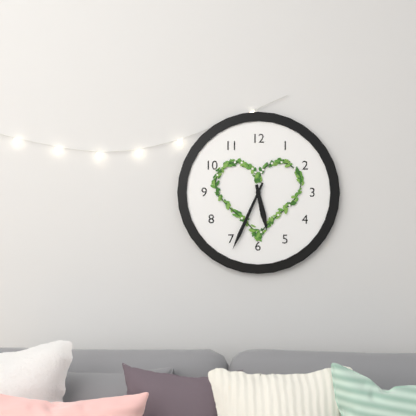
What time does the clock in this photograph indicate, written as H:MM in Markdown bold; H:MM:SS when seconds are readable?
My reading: **5:34**
